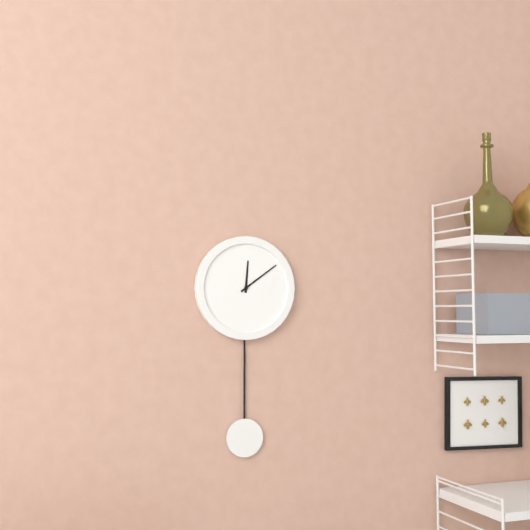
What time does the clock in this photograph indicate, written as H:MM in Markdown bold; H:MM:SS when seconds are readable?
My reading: **12:09**
